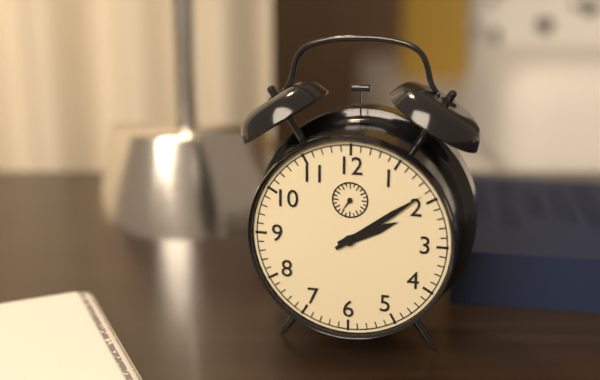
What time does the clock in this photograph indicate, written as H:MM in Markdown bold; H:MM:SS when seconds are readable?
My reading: **2:09**
